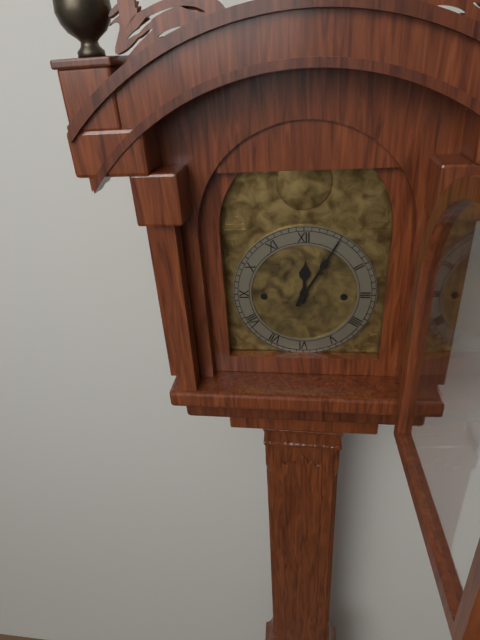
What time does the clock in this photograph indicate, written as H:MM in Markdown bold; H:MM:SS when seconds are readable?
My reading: **12:05**
